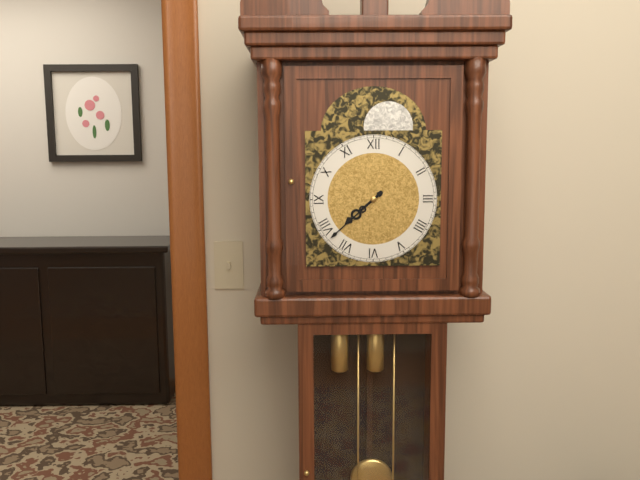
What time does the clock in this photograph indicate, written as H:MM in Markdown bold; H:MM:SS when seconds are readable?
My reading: **7:38**
